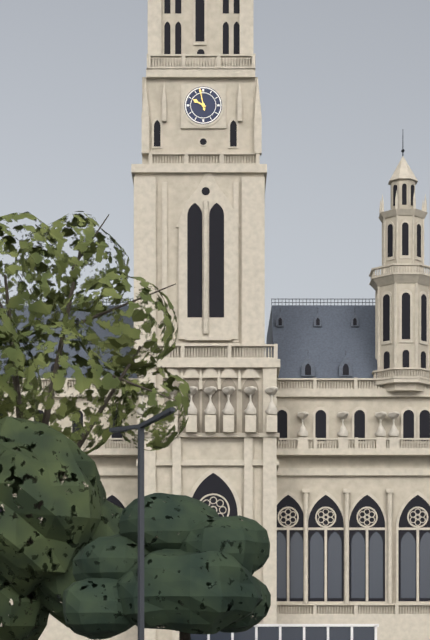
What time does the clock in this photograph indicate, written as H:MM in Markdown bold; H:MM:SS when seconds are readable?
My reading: **9:58**
